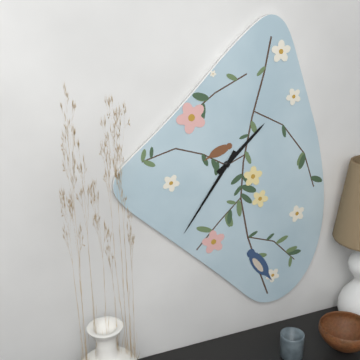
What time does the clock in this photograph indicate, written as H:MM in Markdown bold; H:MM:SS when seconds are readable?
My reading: **1:36**
